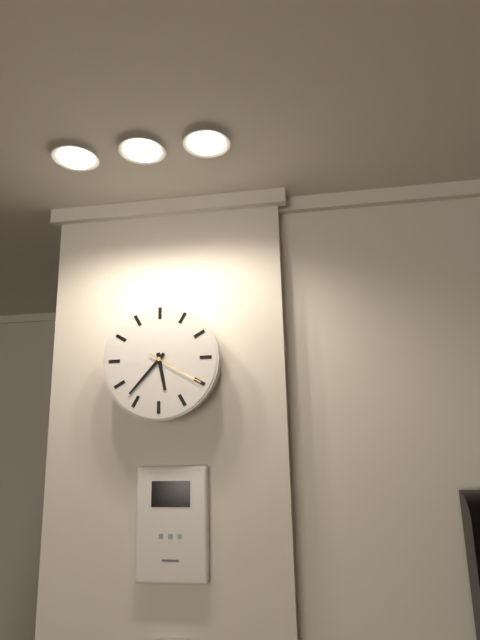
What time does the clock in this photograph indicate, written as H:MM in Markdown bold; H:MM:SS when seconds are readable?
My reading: **5:37:20**
